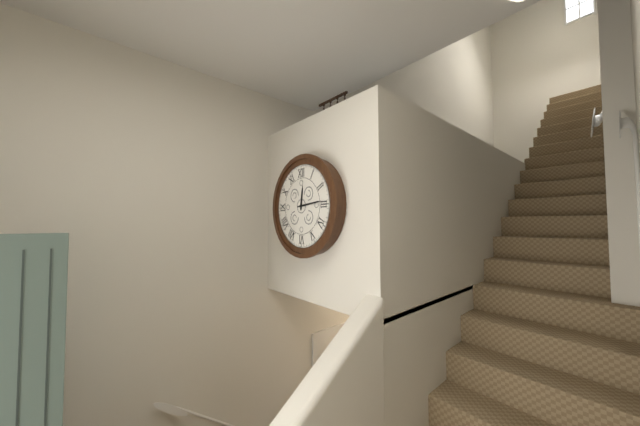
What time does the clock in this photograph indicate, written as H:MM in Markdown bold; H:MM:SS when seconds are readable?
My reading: **12:14**
